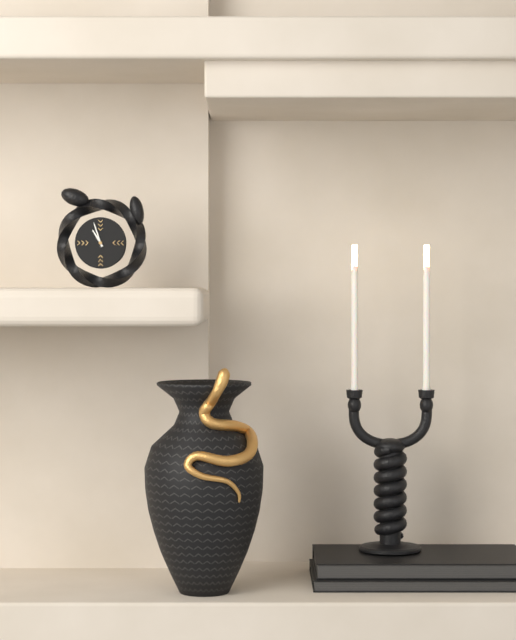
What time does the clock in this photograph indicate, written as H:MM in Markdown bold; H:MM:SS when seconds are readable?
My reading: **10:57**
